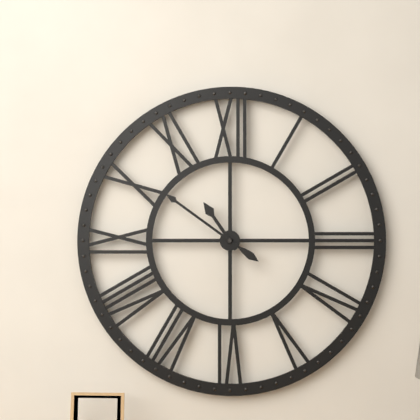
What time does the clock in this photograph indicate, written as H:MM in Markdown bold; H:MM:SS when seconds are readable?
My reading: **10:51**
